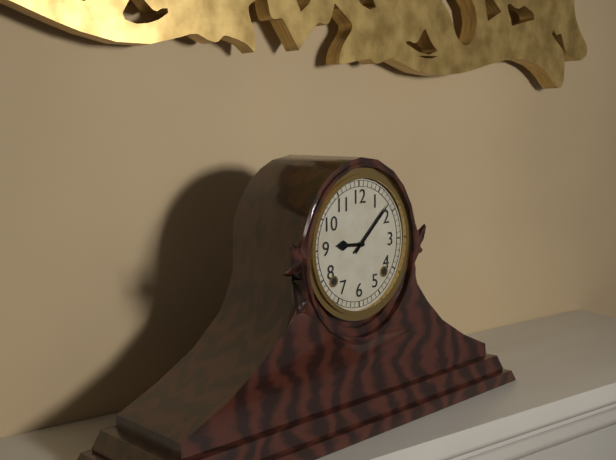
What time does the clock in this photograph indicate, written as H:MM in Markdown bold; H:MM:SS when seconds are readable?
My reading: **9:08**
